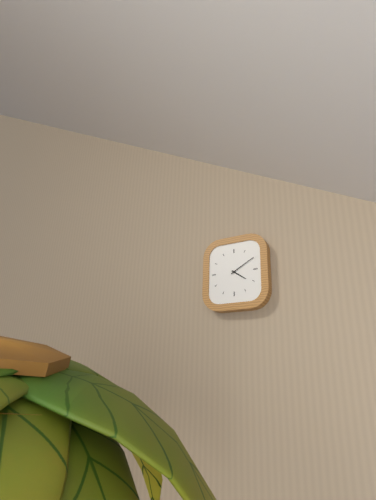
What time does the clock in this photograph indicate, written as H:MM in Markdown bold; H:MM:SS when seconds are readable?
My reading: **4:10**
